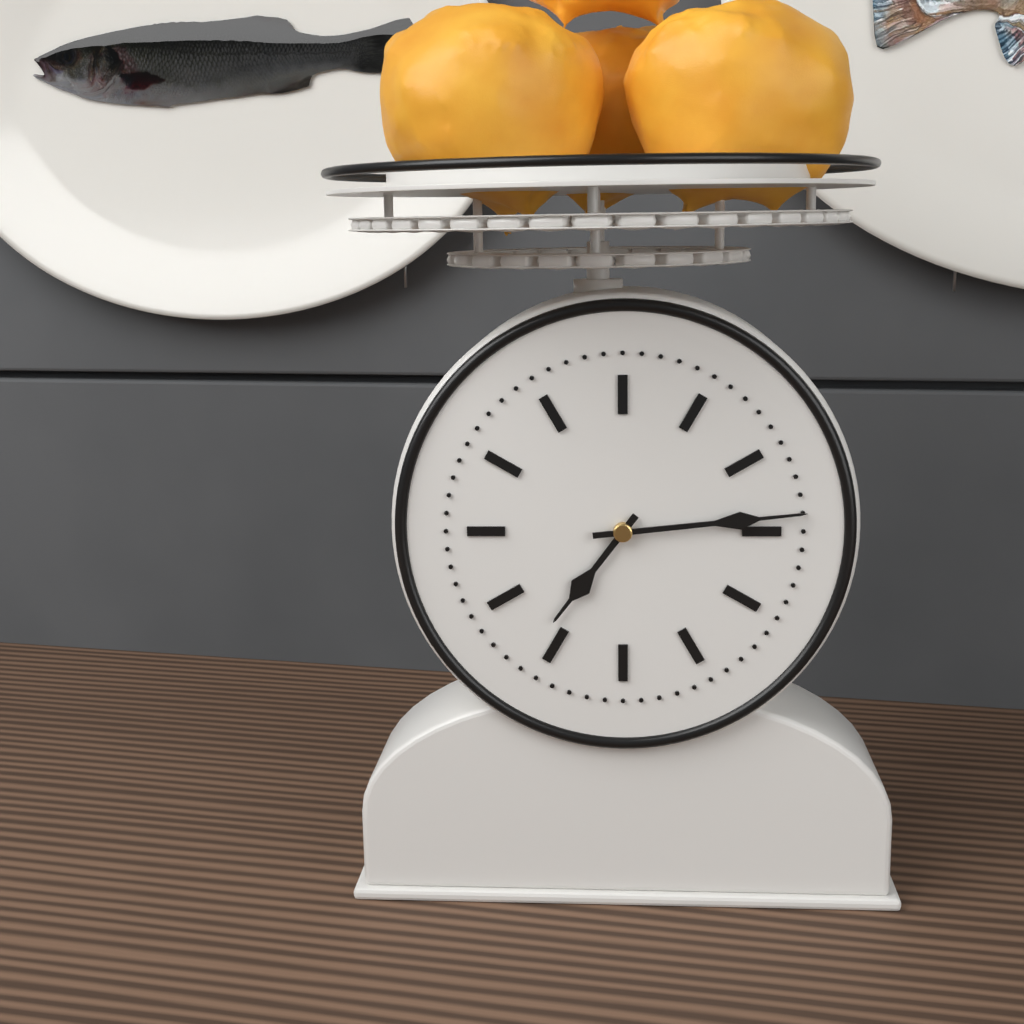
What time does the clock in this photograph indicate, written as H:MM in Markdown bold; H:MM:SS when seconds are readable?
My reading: **7:14**
